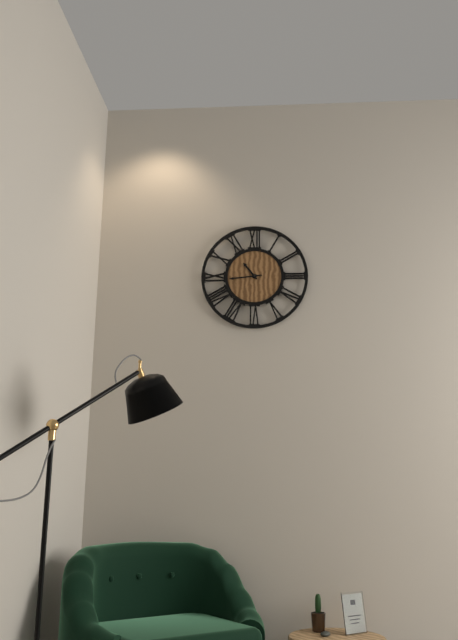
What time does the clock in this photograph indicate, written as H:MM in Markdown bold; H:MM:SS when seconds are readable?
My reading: **10:44**
